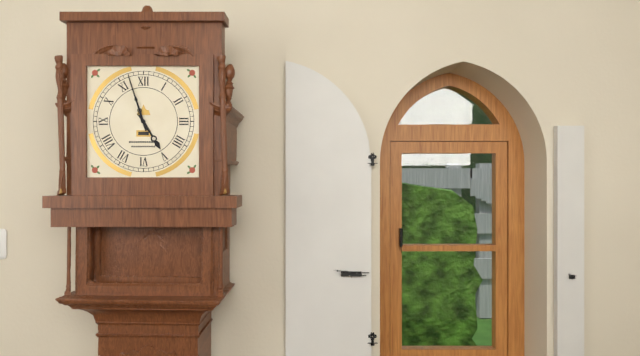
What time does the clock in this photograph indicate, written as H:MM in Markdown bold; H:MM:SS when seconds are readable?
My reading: **4:57**
